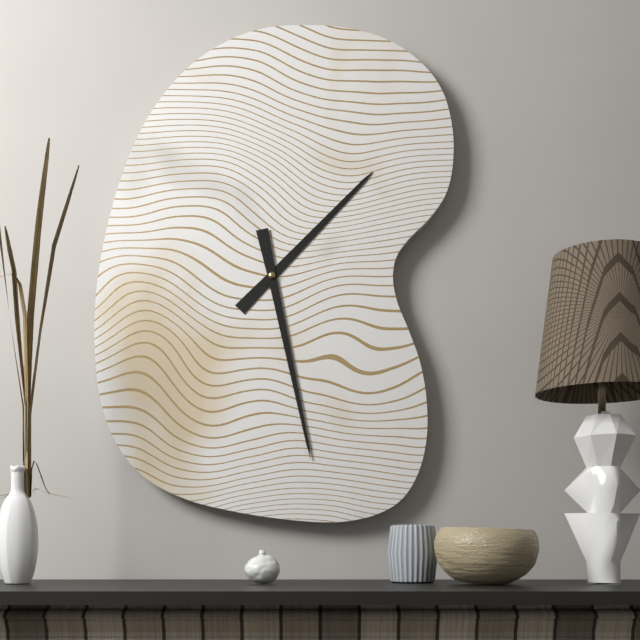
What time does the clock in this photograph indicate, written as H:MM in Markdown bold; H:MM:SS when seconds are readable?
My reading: **1:28**
